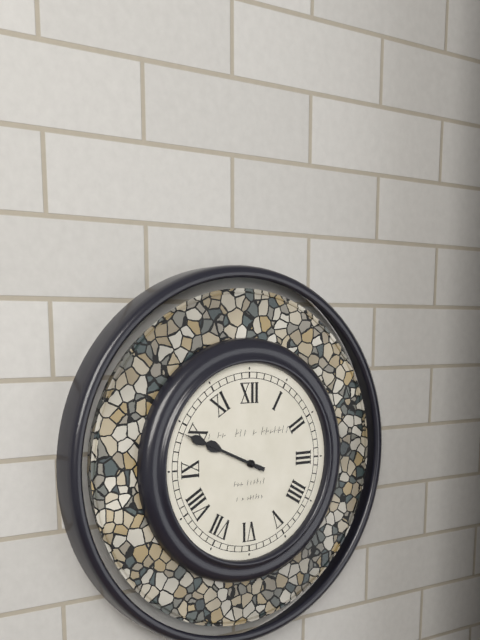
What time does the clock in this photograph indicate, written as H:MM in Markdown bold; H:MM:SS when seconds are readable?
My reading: **9:49**
